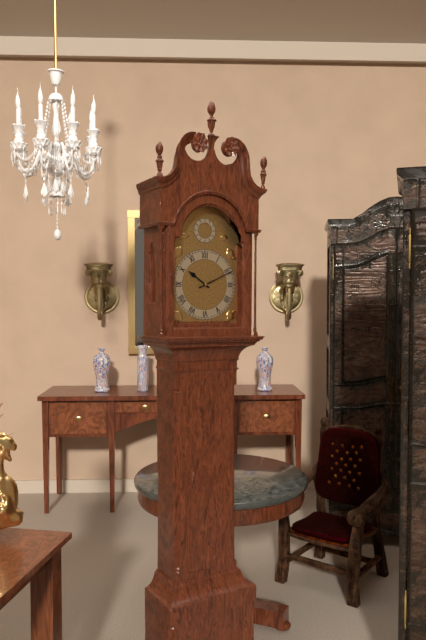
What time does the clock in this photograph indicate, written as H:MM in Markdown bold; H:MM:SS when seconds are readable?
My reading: **10:11**
